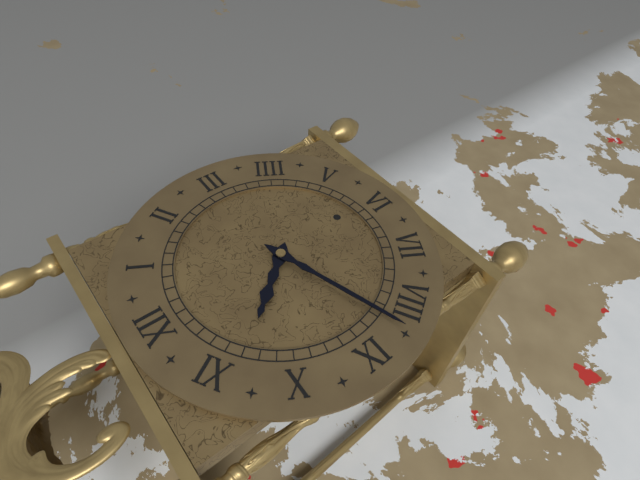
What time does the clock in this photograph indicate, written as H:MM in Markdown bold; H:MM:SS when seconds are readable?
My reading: **10:42**
